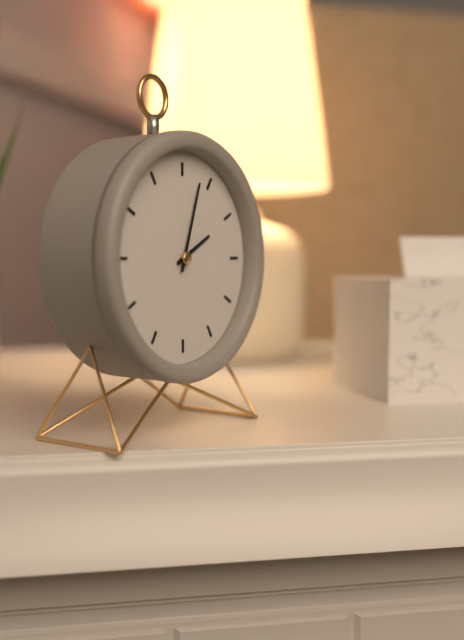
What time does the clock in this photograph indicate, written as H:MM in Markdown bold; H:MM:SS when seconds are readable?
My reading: **2:03**
